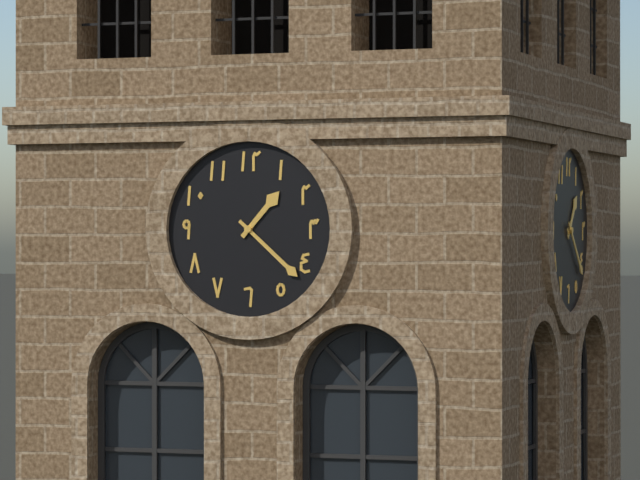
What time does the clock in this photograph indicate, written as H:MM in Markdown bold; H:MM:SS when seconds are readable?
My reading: **1:22**
